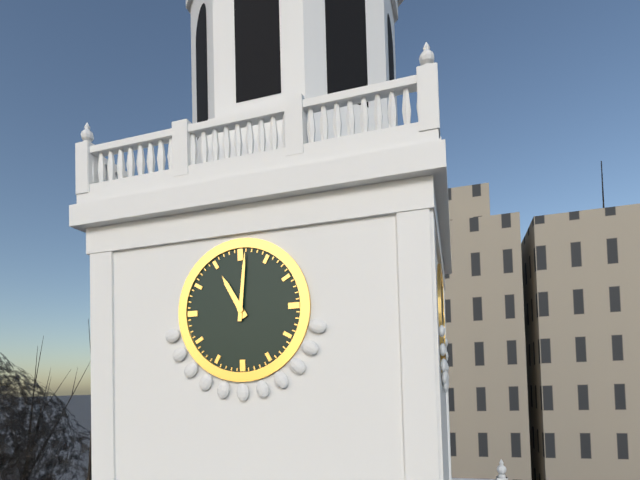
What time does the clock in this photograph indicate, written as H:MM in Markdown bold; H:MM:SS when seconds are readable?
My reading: **11:01**
